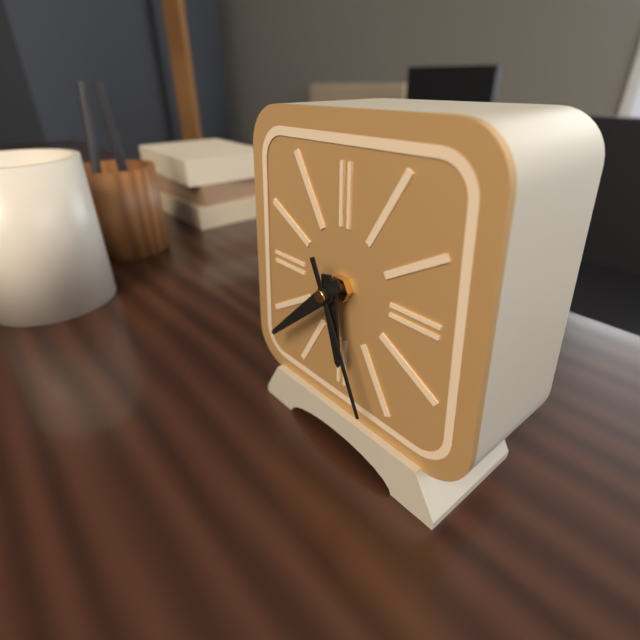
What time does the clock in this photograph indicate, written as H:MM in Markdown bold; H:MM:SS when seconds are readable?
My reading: **5:38:26**
